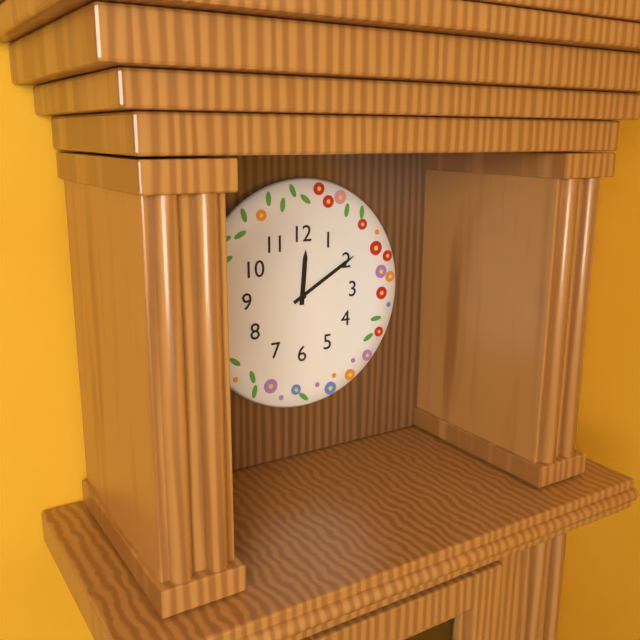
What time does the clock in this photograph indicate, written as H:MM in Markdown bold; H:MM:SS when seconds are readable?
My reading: **12:10**
